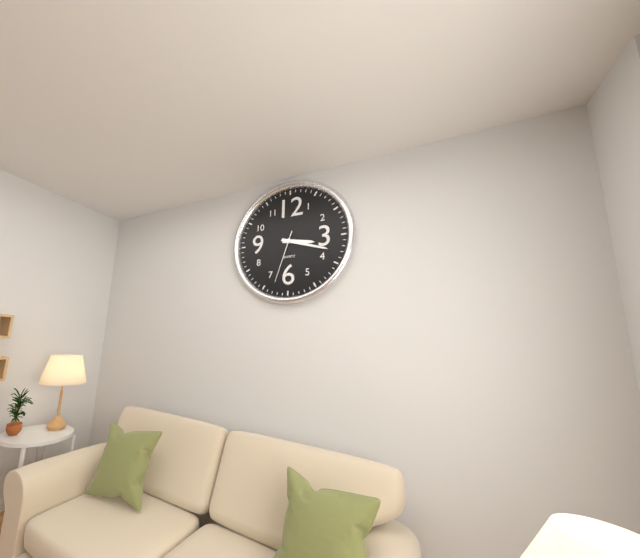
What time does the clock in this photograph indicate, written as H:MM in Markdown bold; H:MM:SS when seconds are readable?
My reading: **3:18:33**
